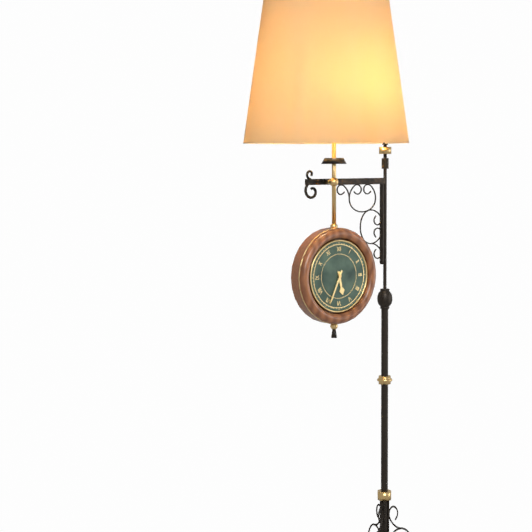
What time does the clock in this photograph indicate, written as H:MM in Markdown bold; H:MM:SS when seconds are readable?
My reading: **5:34**
